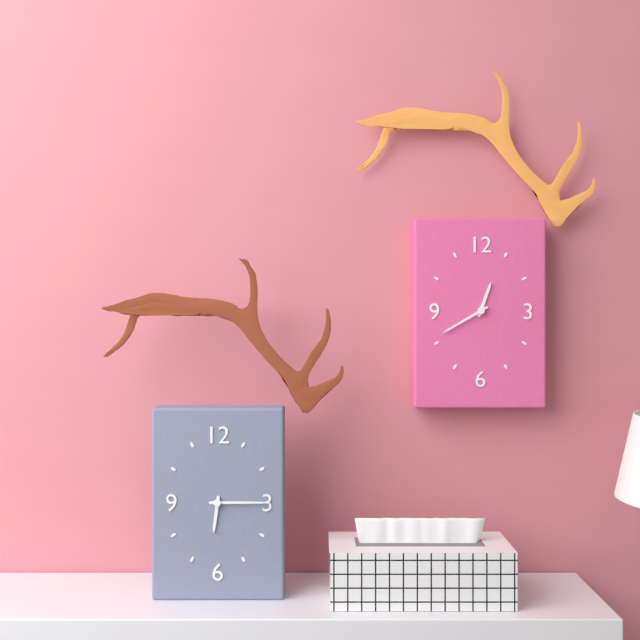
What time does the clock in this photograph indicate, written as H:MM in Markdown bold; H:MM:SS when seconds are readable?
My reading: **6:15**
